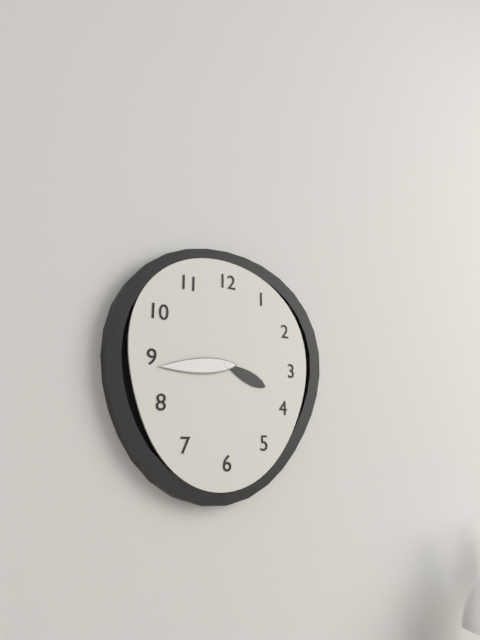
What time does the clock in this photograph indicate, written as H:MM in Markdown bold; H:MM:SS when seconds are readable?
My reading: **3:44**
